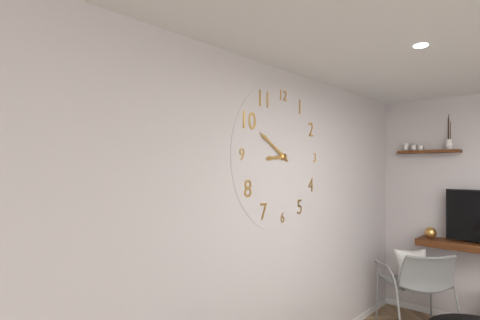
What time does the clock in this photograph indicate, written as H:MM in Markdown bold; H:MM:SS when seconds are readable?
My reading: **8:50**
